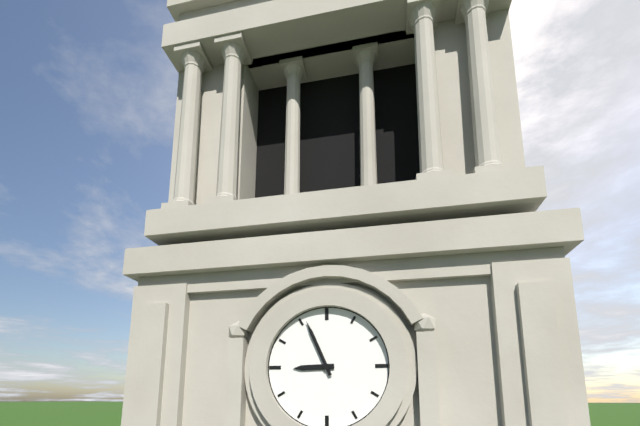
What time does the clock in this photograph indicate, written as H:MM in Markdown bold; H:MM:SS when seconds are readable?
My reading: **8:56**
